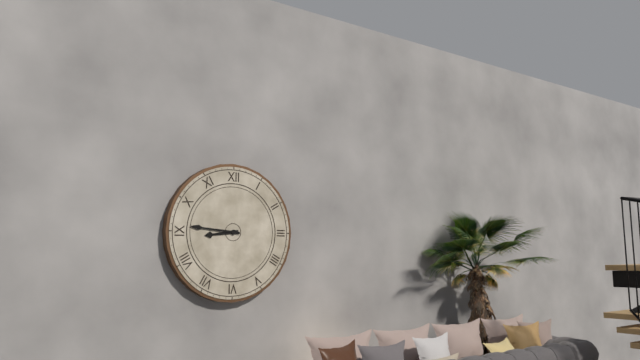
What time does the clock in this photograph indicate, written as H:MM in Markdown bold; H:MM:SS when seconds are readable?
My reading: **8:46**
